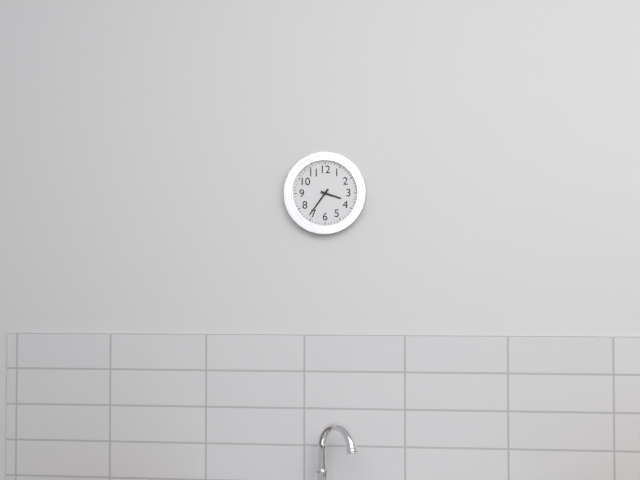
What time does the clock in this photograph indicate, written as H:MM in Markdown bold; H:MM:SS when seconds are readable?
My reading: **3:36**
